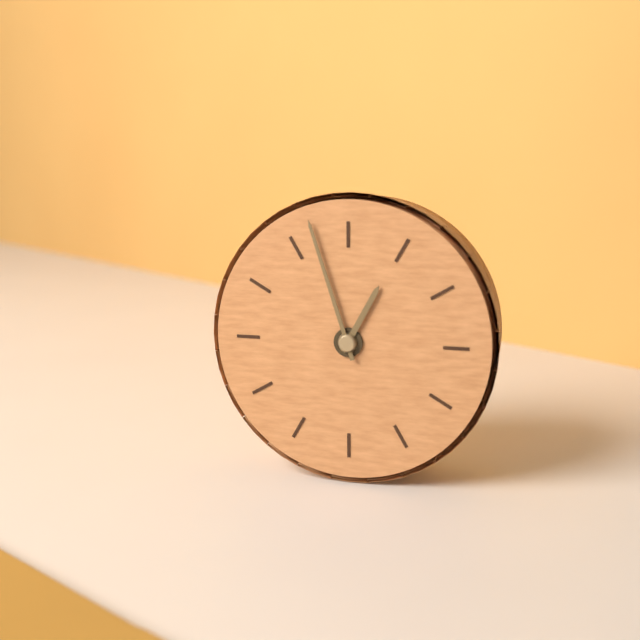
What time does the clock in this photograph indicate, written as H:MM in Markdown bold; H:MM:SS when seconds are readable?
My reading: **12:57**
